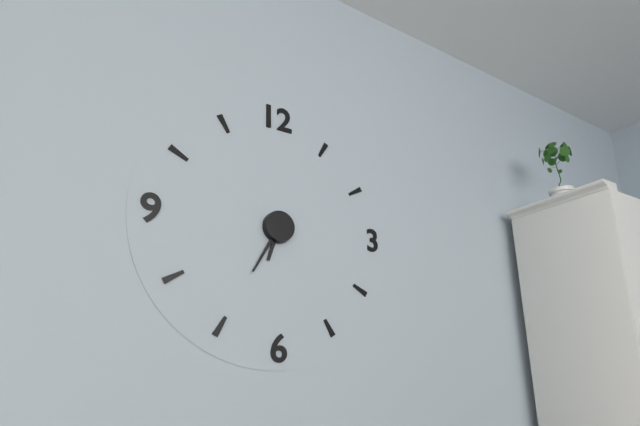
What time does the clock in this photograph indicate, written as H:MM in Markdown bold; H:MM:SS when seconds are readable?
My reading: **6:35**
